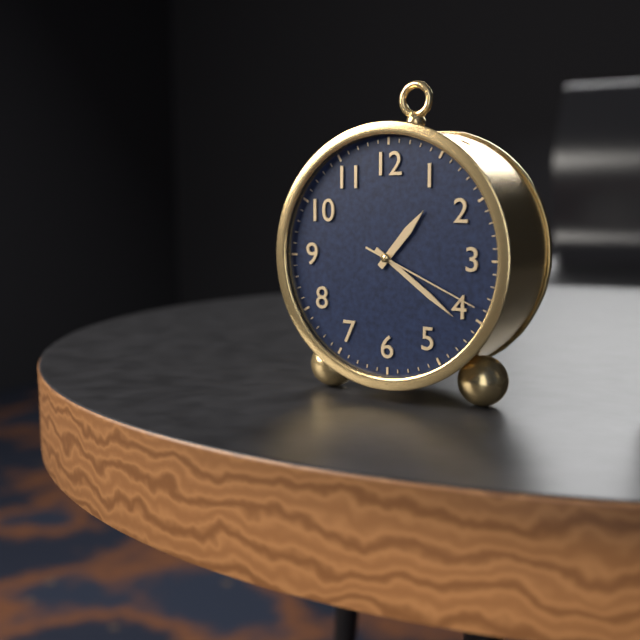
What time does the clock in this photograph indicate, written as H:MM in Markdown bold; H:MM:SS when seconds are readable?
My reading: **1:21:19**
